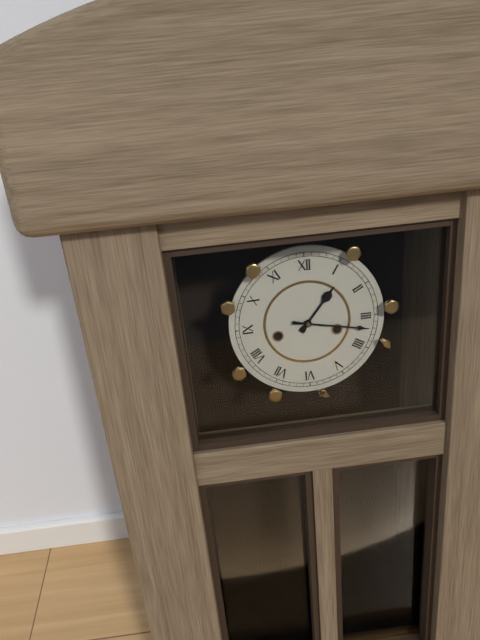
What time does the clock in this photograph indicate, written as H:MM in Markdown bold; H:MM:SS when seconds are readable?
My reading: **1:17**
